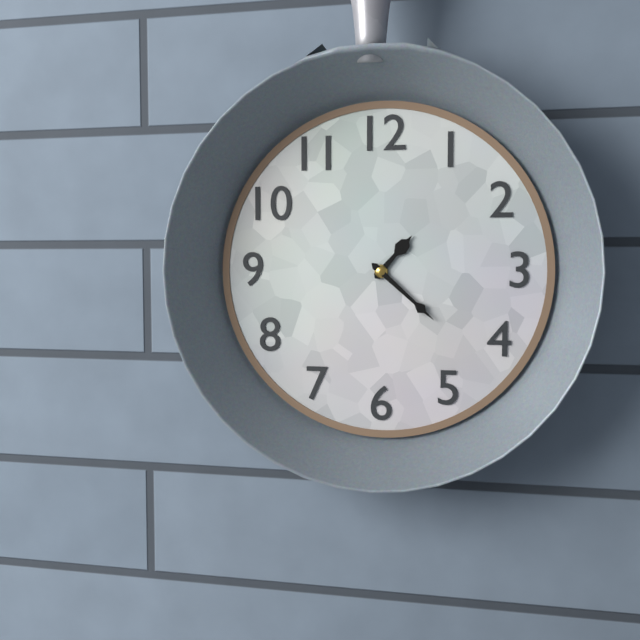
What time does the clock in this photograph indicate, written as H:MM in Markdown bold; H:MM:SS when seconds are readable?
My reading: **1:22**
